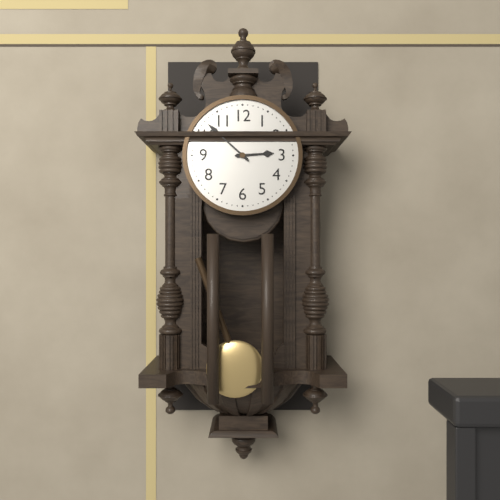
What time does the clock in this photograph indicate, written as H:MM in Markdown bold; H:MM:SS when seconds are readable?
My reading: **2:52**
